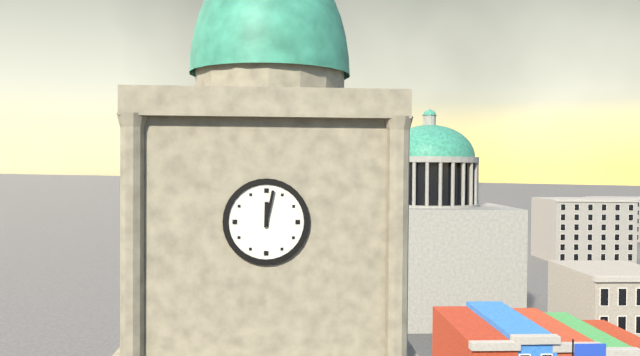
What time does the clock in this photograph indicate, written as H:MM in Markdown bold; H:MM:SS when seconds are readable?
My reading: **12:02**
